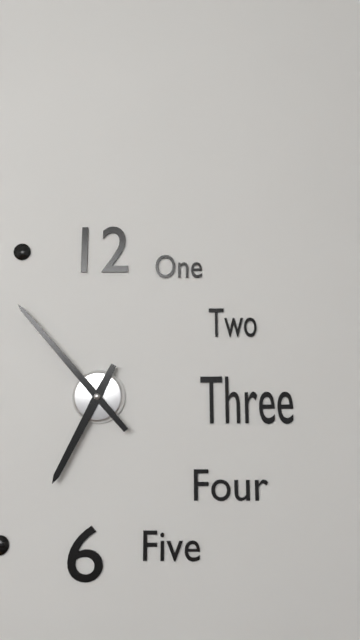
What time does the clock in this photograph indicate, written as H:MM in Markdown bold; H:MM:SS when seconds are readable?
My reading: **6:53**
